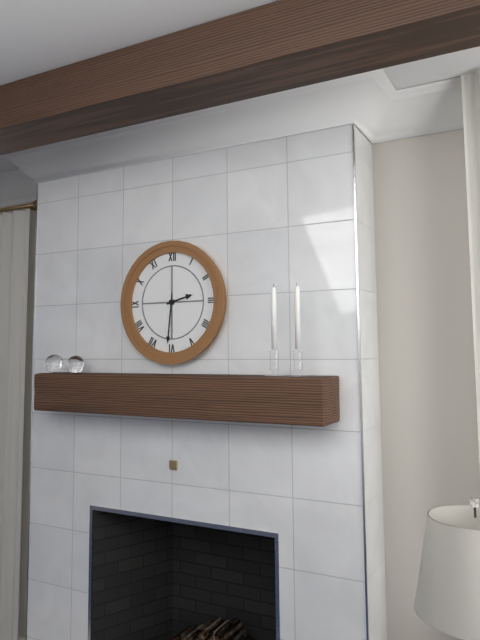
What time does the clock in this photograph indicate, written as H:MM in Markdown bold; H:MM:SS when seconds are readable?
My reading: **2:31**
